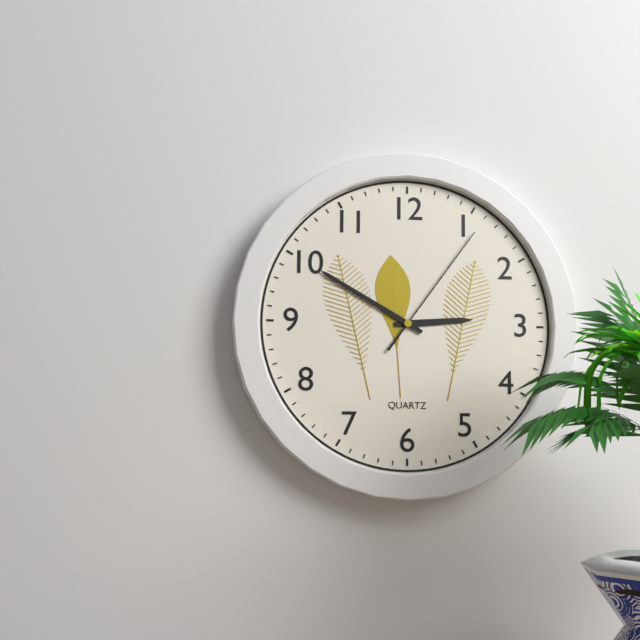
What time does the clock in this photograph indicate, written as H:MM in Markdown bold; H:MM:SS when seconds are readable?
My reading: **2:50:06**
